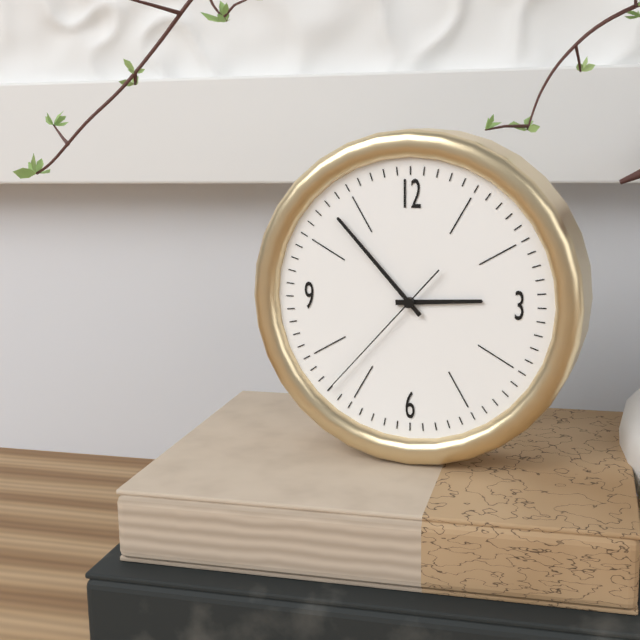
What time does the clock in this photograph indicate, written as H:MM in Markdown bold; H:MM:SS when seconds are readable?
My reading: **2:53:37**
